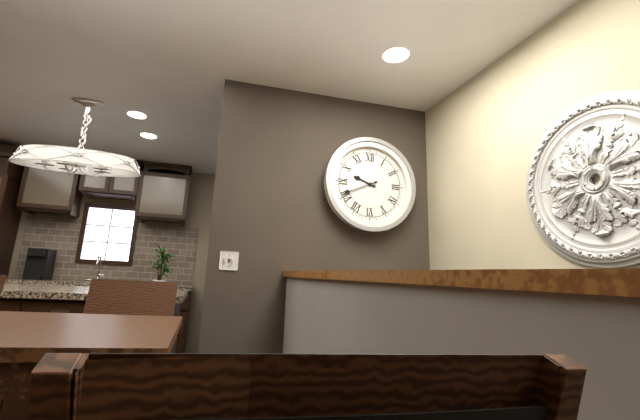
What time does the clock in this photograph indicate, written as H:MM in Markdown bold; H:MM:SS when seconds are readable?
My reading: **9:41**
